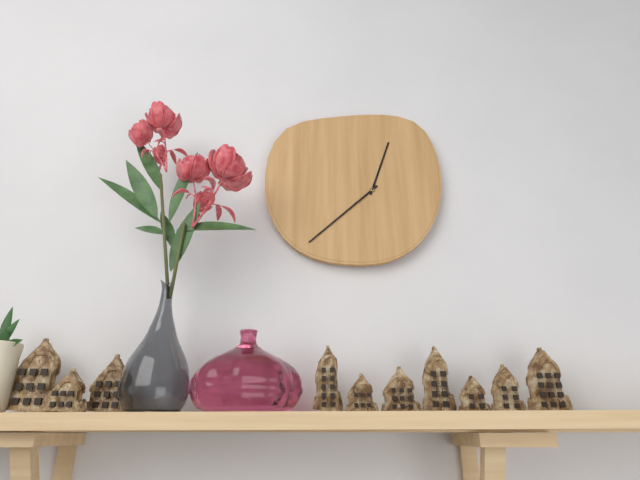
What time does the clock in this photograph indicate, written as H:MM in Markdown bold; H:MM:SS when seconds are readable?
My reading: **12:38**
